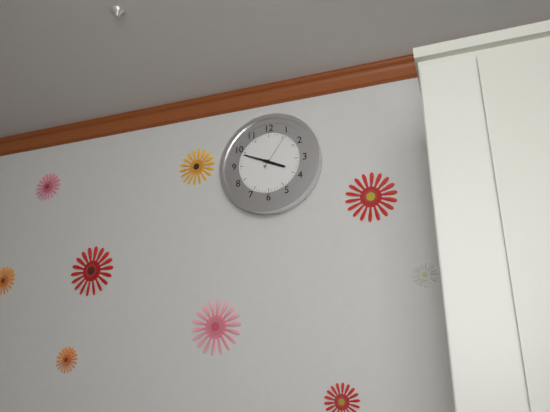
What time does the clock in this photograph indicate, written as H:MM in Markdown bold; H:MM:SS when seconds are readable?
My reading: **3:49**
